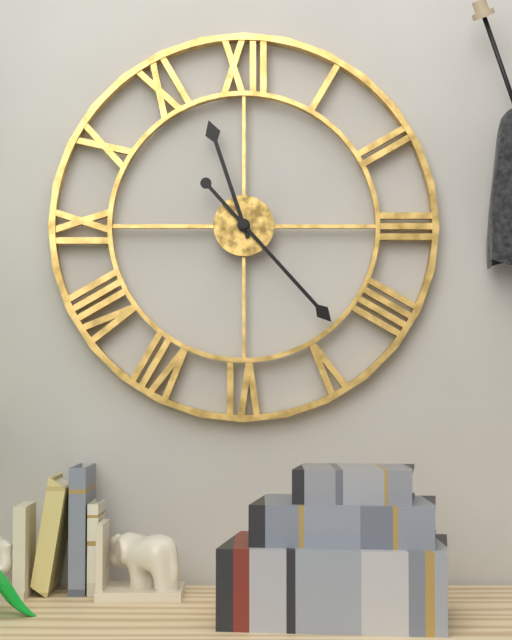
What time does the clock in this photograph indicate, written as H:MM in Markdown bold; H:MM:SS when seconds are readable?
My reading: **11:23**
